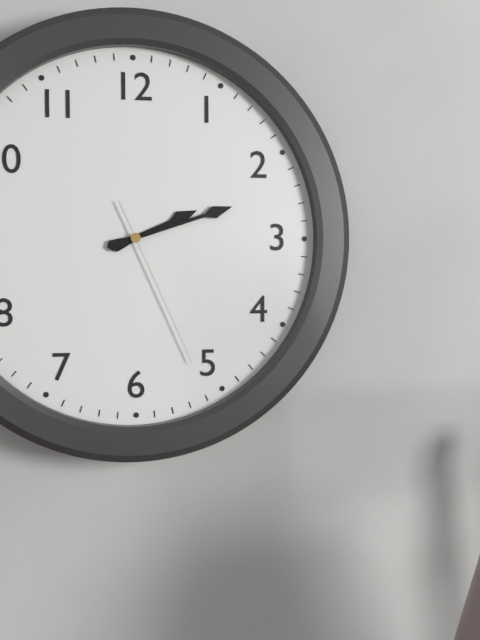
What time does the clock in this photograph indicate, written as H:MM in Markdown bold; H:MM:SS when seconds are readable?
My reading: **2:12:26**
